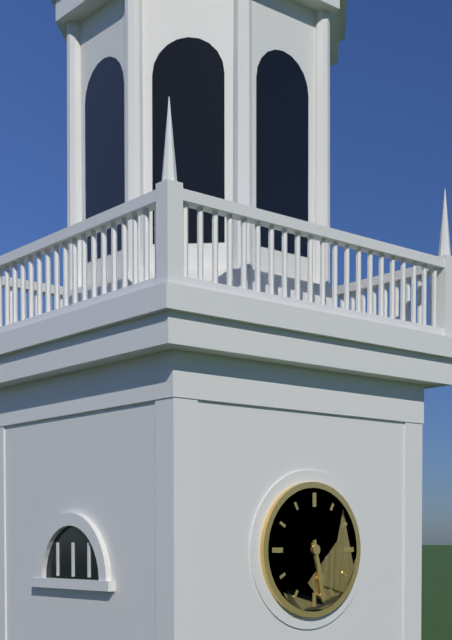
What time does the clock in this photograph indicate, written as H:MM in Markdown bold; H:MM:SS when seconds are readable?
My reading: **5:28**
